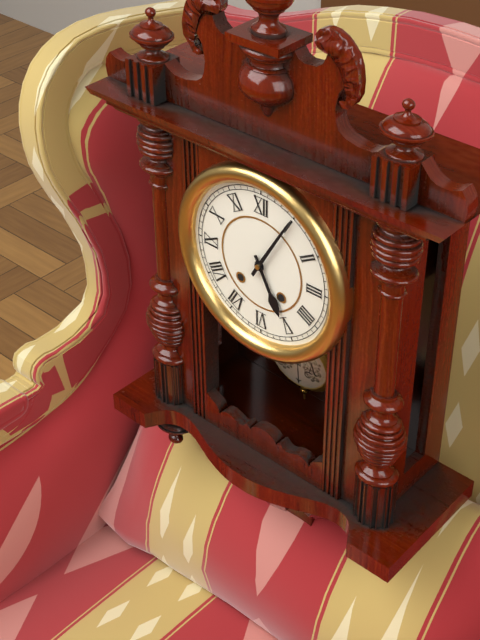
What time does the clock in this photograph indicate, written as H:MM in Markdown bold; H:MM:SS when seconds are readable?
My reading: **5:05**
